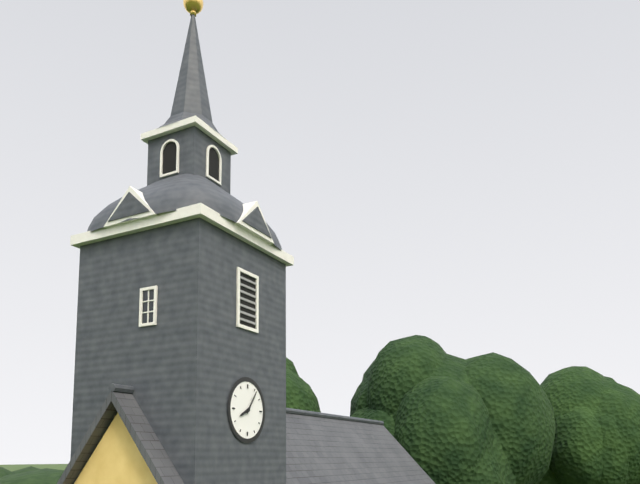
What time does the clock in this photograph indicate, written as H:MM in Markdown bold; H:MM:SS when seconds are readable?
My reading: **8:06**
